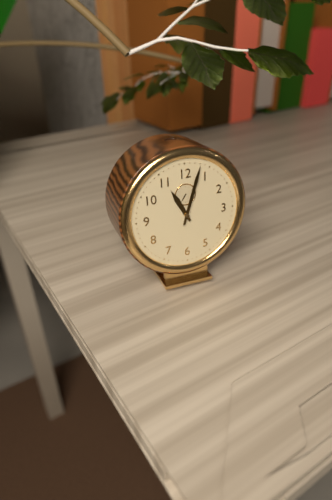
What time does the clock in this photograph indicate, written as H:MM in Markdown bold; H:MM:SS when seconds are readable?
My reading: **11:03**
